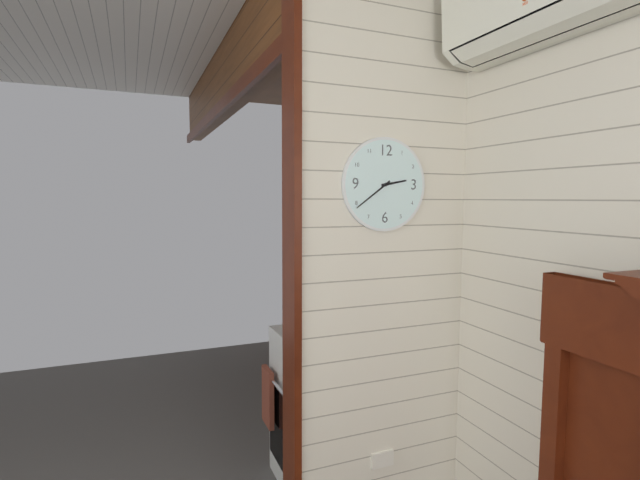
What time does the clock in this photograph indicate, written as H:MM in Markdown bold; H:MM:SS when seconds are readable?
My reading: **2:39**
